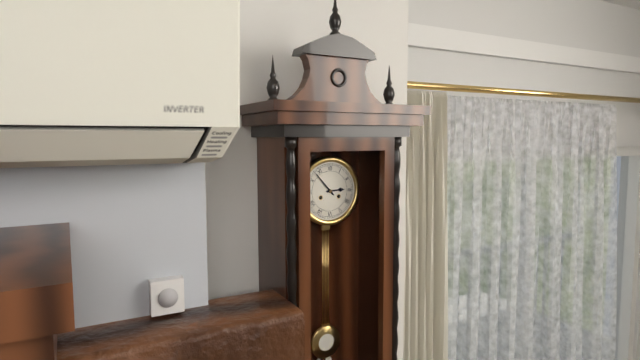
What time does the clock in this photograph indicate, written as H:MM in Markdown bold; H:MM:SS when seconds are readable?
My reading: **2:53**
